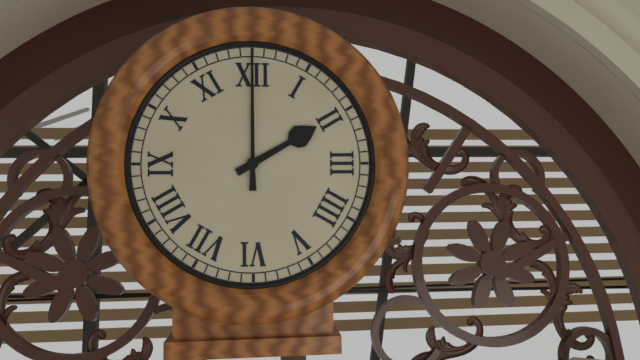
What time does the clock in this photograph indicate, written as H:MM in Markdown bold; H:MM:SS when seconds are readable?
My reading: **2:00**
